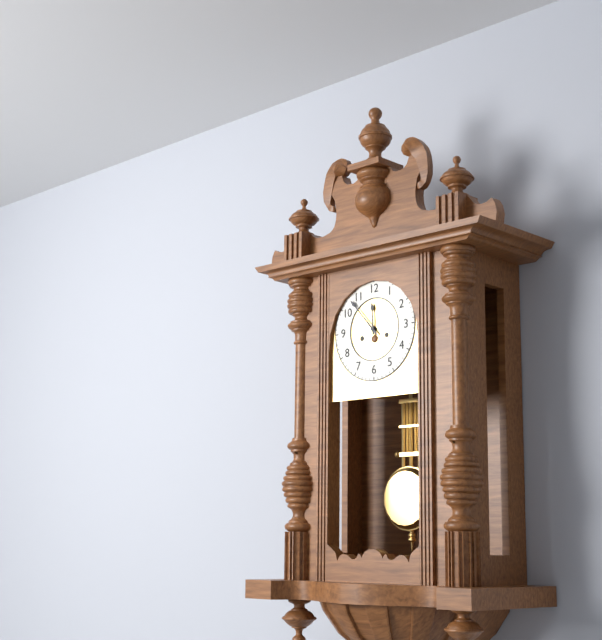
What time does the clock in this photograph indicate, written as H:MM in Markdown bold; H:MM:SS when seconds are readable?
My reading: **11:53**
